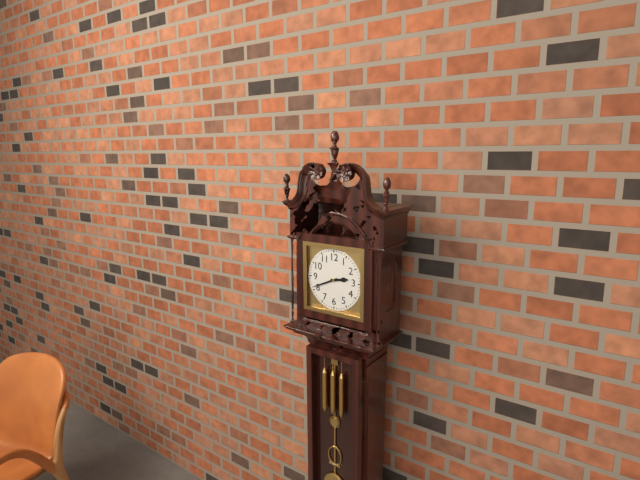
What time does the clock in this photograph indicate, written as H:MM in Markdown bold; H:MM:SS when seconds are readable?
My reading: **2:41**
